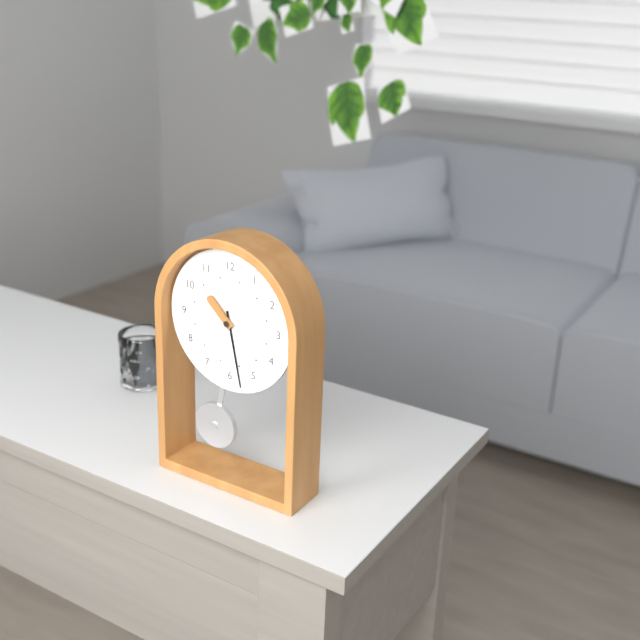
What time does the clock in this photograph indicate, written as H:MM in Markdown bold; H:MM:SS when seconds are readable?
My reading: **10:28**
